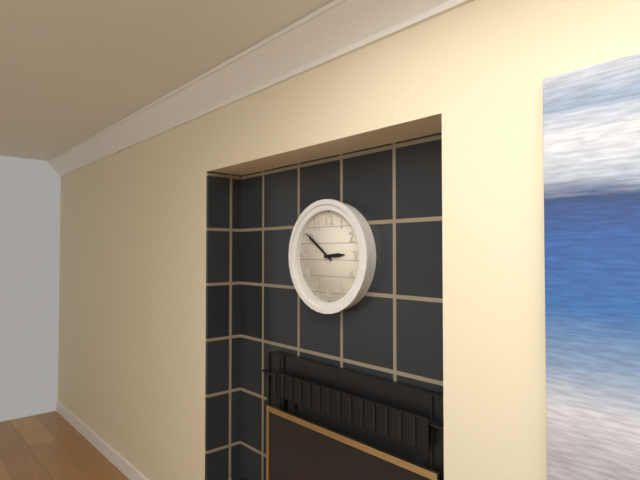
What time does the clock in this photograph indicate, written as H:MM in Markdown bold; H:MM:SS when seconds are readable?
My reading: **2:51**
